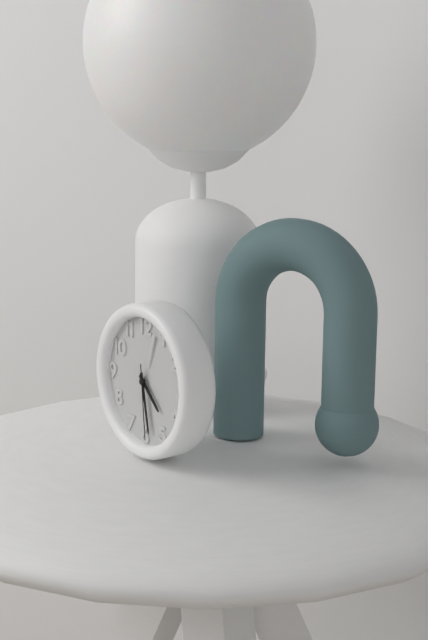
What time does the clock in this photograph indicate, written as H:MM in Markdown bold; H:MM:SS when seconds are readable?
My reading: **4:28:29**
